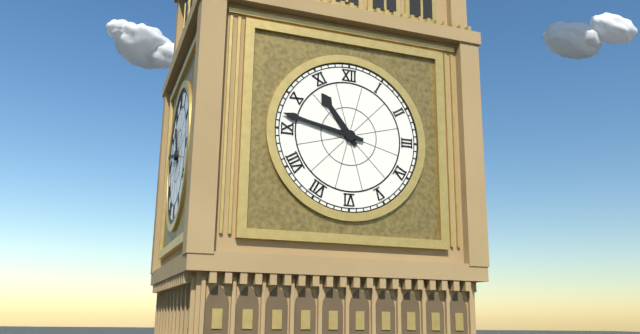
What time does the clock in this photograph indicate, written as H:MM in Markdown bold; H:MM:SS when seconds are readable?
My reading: **10:47**
